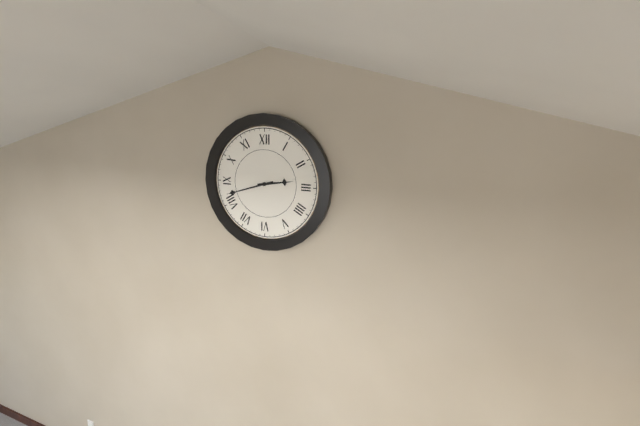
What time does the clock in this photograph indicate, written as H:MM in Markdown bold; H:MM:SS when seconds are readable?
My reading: **2:42**
